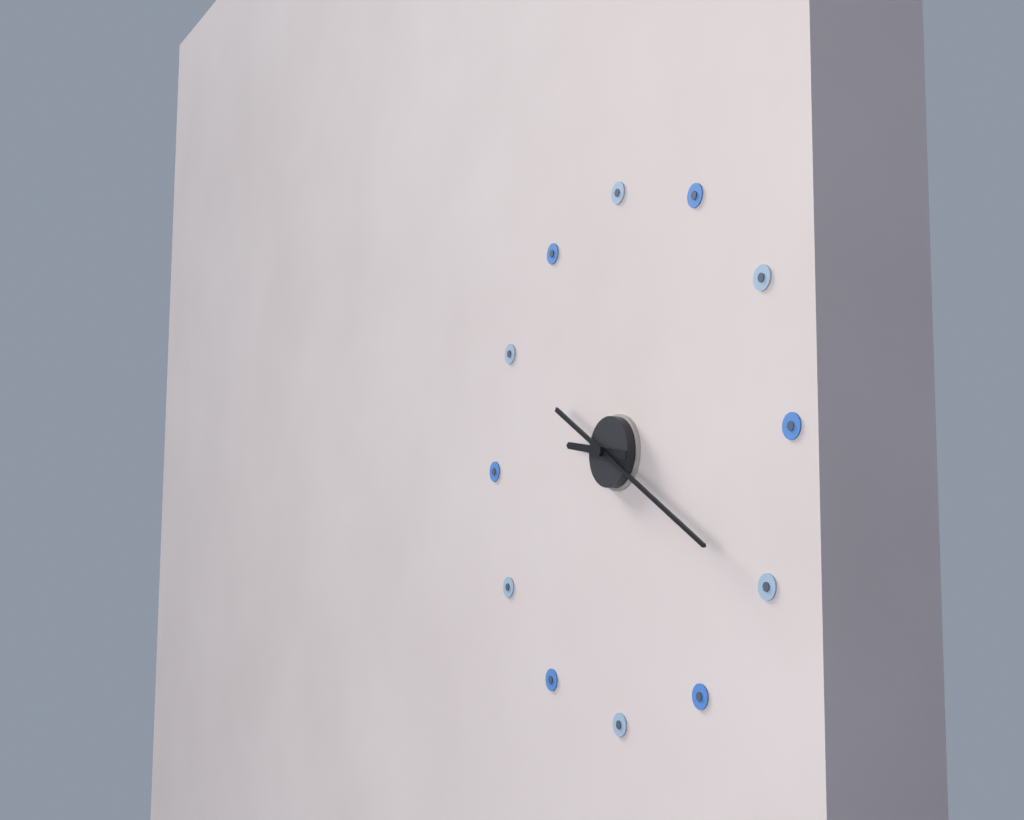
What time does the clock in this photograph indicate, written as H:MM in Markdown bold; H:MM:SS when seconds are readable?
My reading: **9:20**
